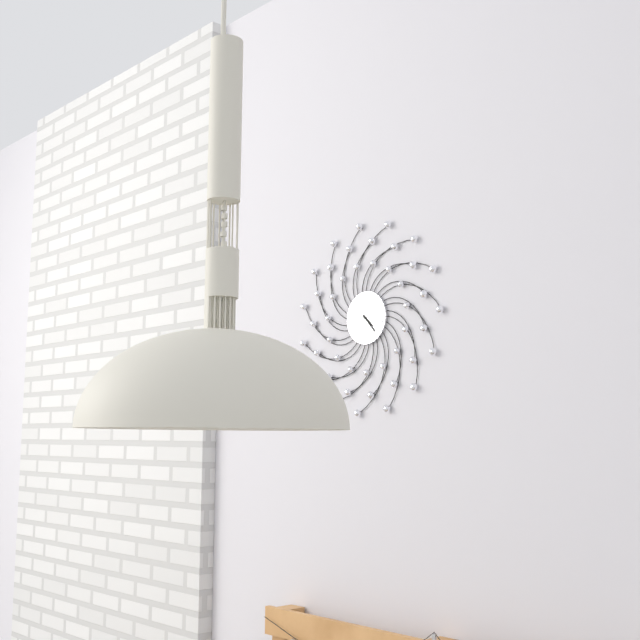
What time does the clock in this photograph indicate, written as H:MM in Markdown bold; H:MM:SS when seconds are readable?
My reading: **4:23**
